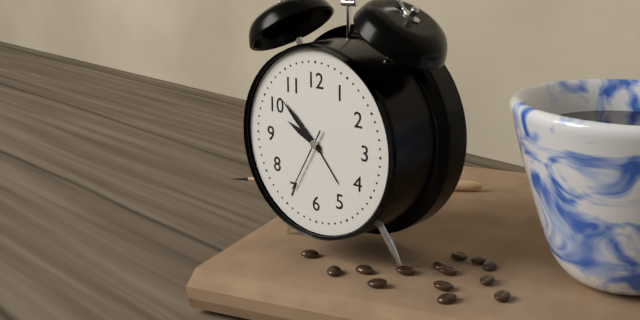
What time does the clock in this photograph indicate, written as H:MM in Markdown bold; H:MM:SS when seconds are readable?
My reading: **9:52:35**
